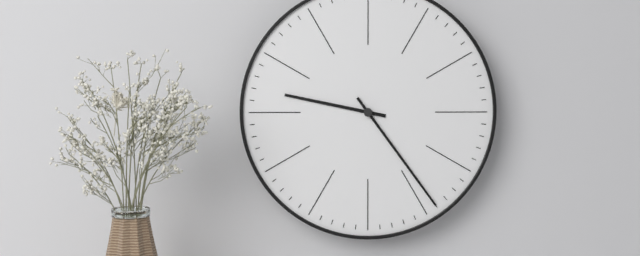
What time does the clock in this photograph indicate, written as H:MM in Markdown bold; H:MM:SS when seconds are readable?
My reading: **9:24**
